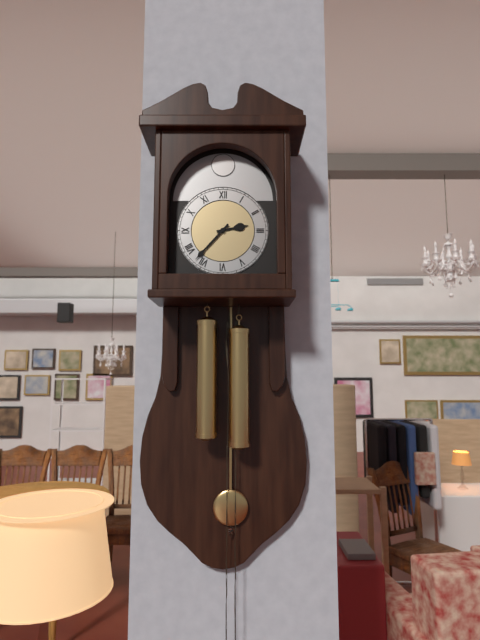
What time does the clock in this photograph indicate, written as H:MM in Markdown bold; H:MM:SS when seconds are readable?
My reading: **2:37**
